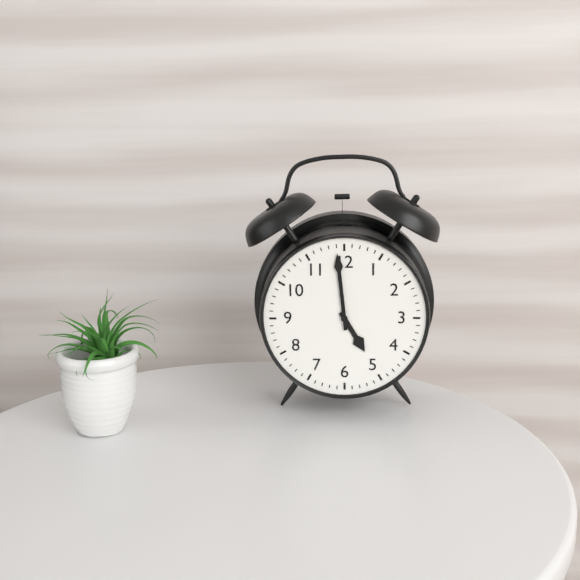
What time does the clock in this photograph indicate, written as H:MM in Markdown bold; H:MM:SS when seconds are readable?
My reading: **4:59**
